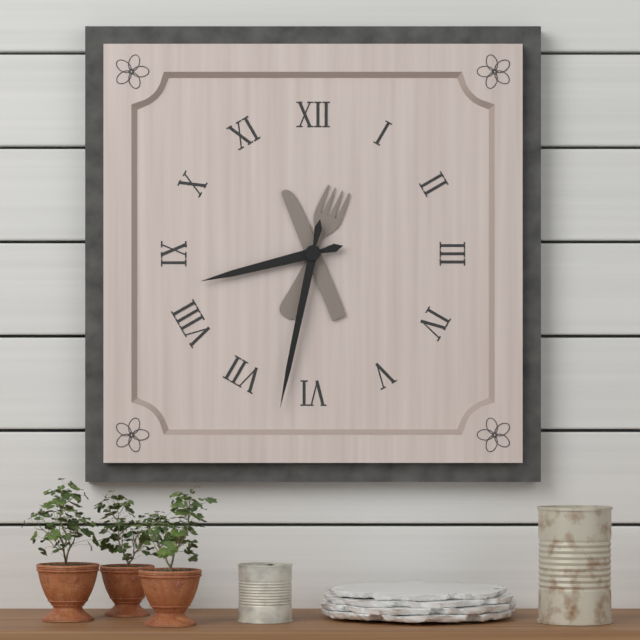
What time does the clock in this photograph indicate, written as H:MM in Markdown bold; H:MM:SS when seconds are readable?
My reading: **8:32**
